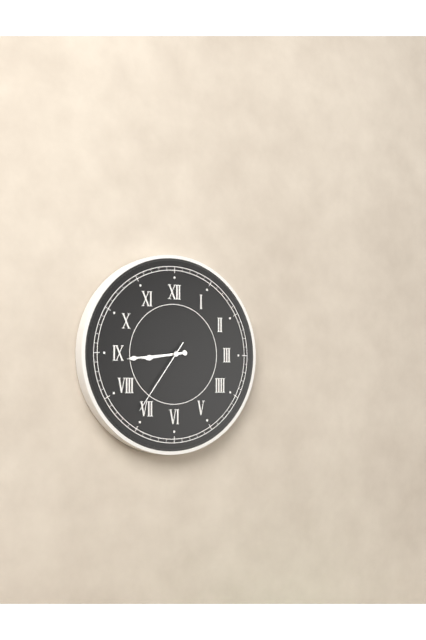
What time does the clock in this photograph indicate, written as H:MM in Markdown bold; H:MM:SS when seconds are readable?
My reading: **8:44:36**
